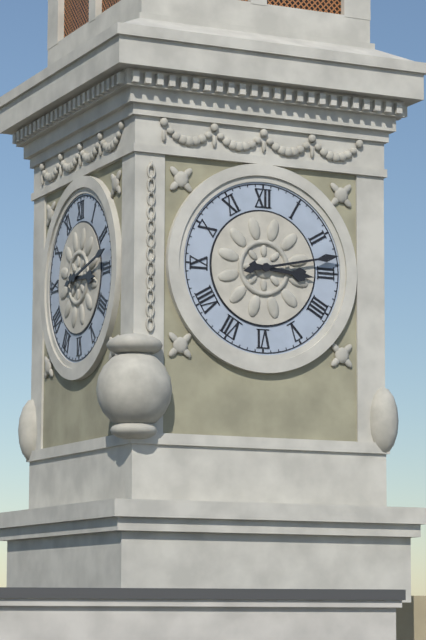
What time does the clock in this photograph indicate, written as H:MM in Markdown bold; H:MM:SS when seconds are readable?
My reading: **3:13**
